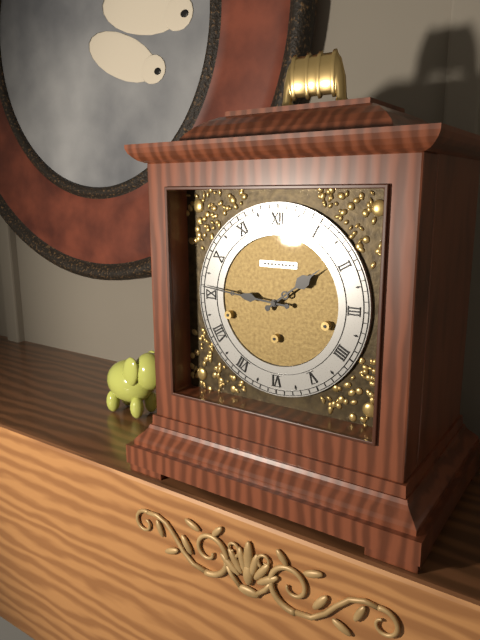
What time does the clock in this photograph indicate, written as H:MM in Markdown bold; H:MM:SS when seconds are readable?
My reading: **1:46**
